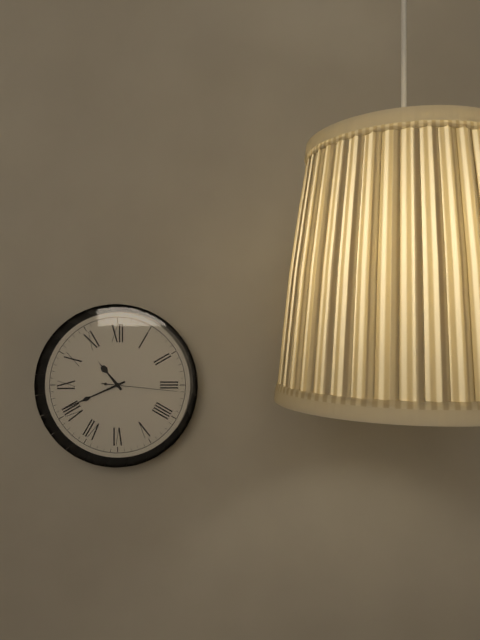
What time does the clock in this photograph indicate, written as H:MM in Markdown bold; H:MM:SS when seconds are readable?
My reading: **10:41:16**
